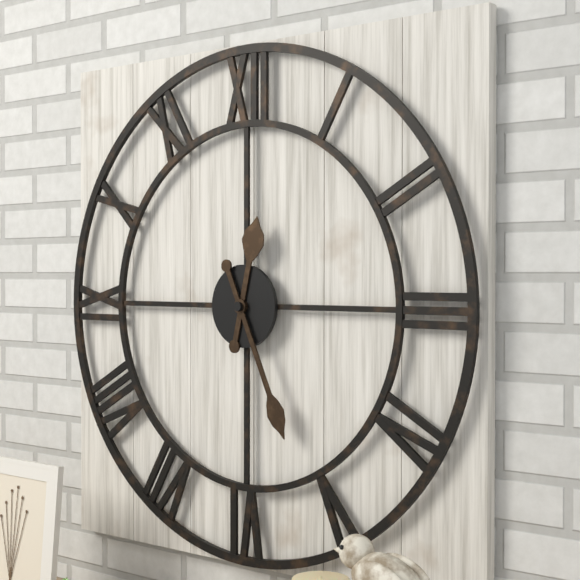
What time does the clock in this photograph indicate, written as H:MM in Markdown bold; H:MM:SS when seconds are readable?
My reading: **12:26**
